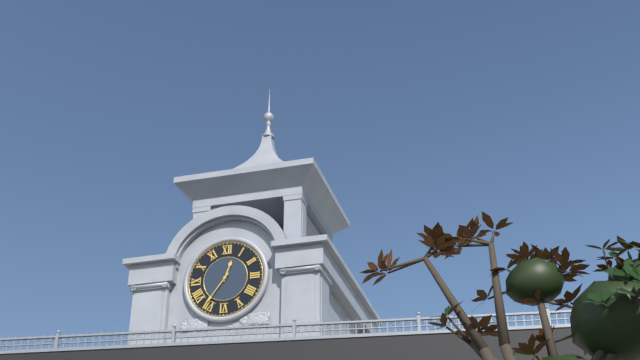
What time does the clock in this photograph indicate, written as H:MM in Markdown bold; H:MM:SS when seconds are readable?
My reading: **12:36**
